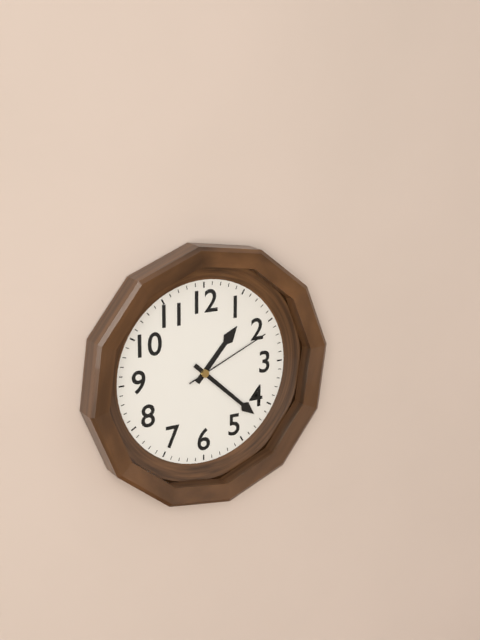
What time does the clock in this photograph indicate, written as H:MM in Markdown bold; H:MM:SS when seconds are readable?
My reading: **1:22:11**
